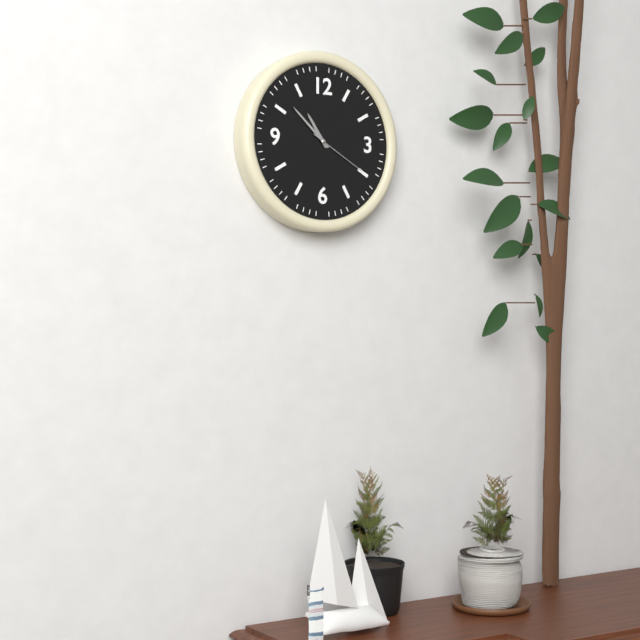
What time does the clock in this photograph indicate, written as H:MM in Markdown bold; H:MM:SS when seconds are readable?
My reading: **10:52:20**
